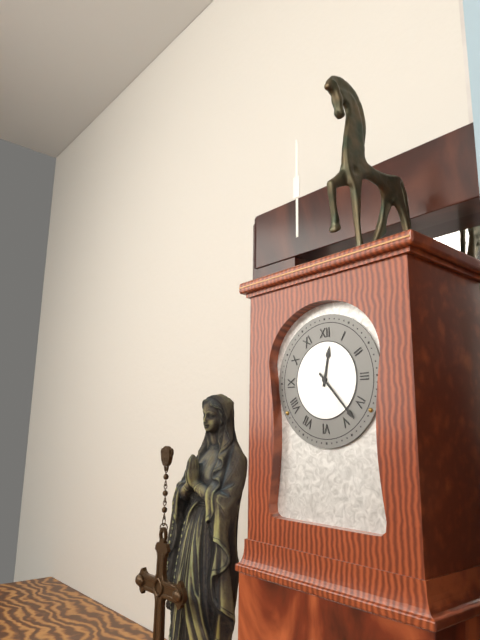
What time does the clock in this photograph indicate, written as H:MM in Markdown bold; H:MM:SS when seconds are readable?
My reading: **12:23**
